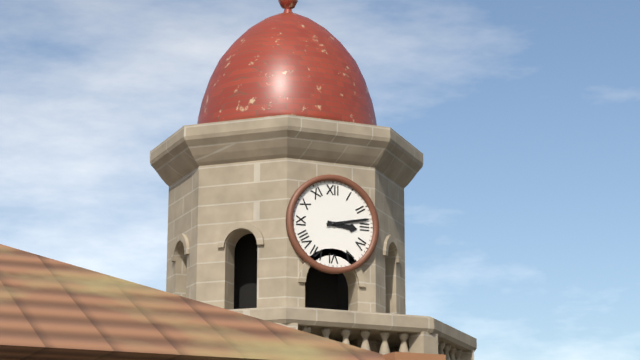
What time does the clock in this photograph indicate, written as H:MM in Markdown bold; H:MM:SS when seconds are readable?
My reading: **3:13**
